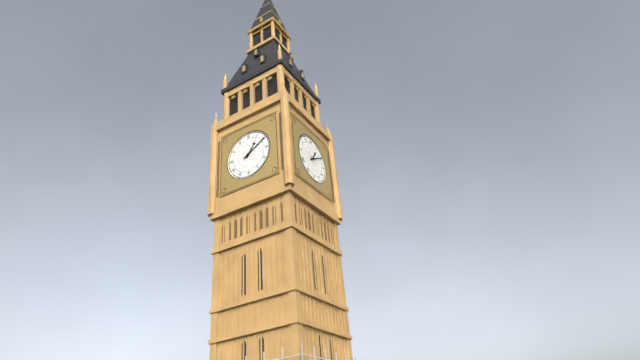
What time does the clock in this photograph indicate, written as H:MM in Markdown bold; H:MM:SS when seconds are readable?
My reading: **1:10**
